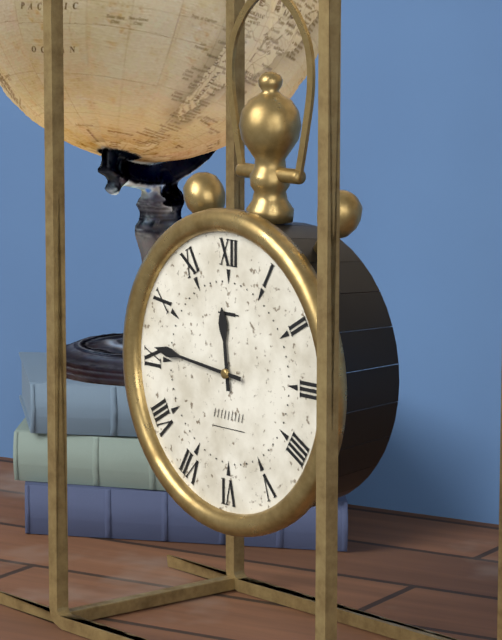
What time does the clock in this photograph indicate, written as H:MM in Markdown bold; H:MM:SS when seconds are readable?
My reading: **11:46**
